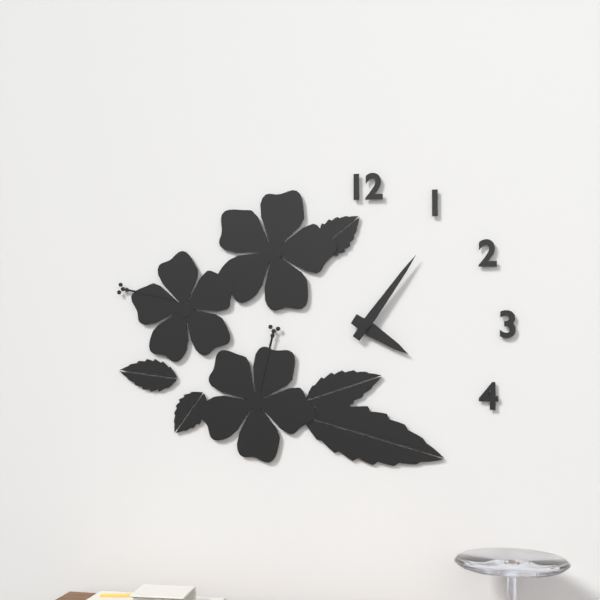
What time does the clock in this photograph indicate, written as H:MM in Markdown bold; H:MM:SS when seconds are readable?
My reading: **4:06**
